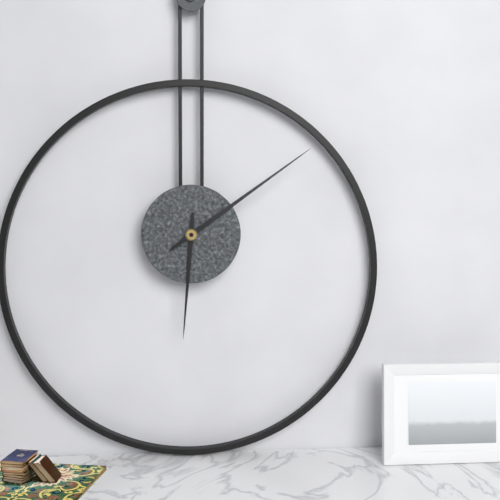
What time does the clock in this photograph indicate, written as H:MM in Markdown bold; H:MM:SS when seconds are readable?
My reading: **6:09**
